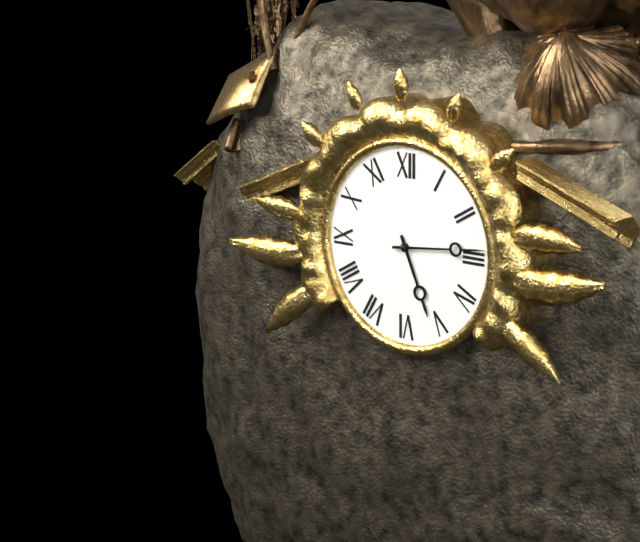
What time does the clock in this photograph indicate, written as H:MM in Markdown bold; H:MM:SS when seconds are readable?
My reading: **5:14**
